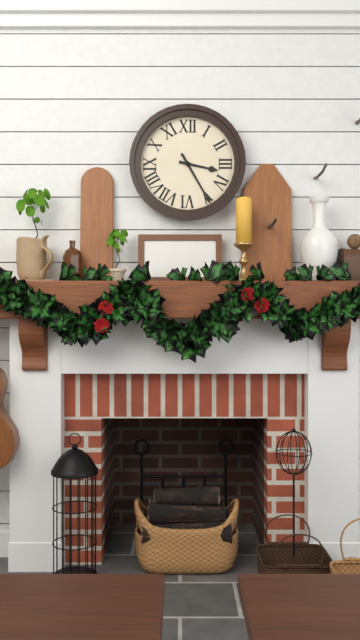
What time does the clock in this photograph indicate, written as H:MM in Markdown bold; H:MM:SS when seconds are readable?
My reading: **3:25**
